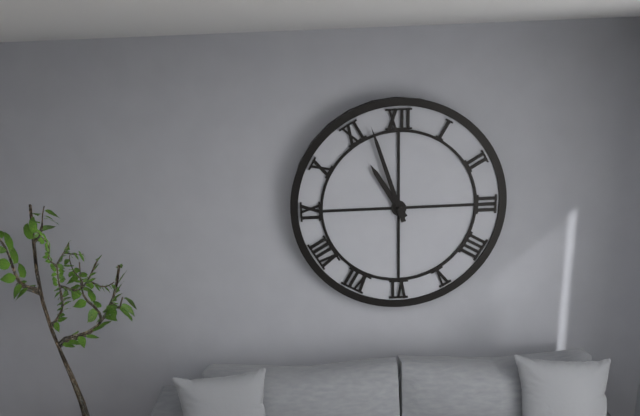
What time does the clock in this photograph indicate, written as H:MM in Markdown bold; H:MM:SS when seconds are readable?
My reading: **10:57**
